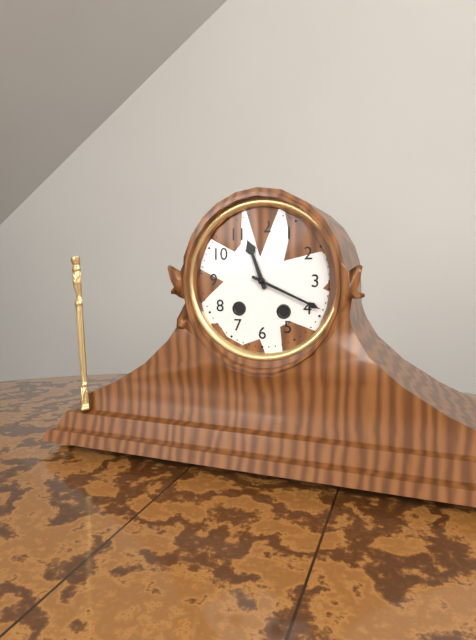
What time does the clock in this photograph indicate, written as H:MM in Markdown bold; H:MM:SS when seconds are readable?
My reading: **11:19**
